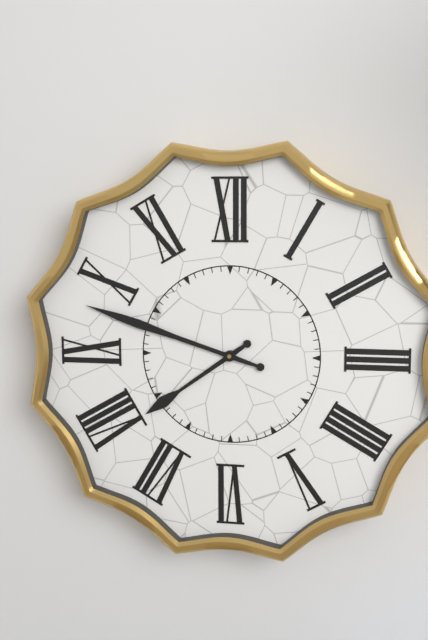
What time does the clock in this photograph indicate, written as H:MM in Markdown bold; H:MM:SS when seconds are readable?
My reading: **7:48**
